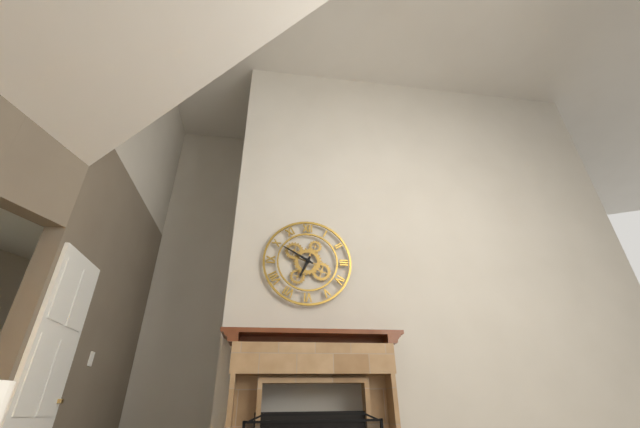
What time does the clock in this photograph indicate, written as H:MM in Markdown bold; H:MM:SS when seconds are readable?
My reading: **6:50**
